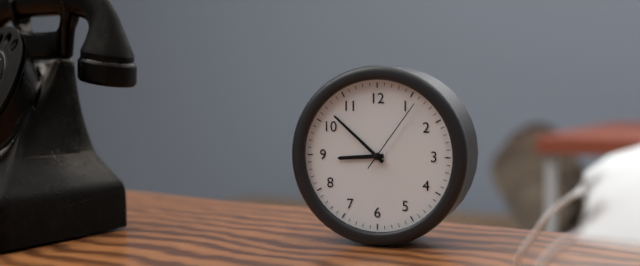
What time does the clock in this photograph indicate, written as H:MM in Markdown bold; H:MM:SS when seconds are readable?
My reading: **8:52:06**
